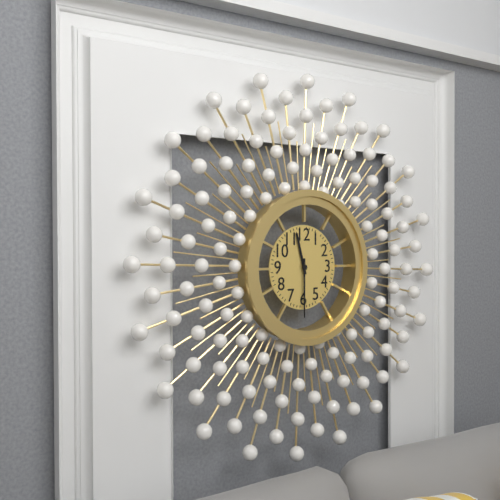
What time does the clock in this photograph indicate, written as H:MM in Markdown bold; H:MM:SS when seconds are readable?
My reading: **11:30**
